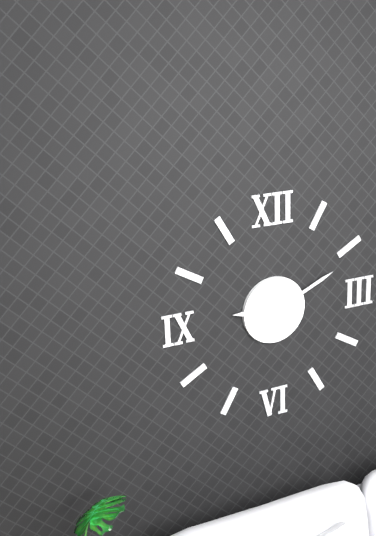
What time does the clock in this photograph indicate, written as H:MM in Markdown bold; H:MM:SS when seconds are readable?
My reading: **9:11**
